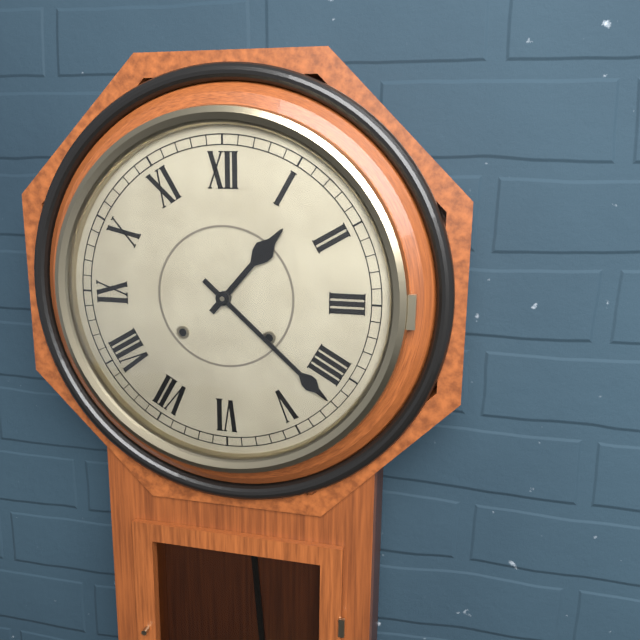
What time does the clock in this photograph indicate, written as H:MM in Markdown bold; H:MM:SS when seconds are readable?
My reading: **1:22**
